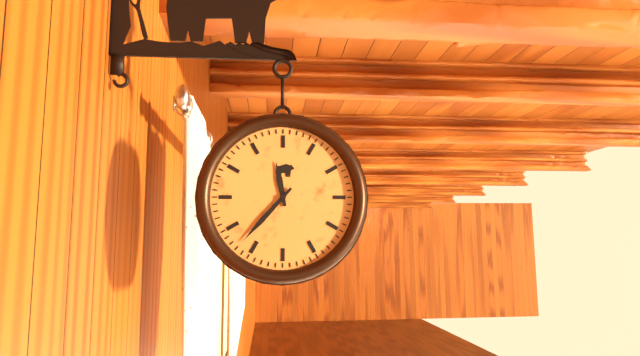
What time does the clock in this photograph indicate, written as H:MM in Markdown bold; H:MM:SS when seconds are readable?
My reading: **11:37**
